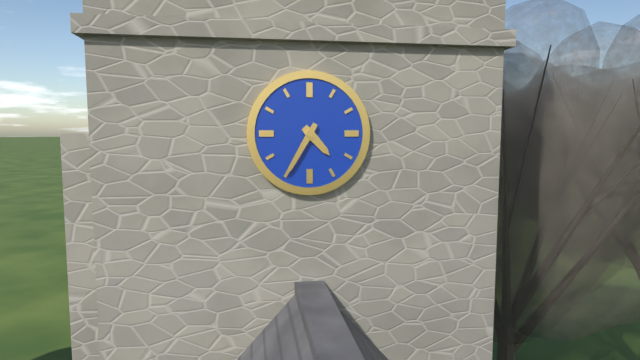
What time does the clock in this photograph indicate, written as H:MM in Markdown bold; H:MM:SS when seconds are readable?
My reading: **4:35**
